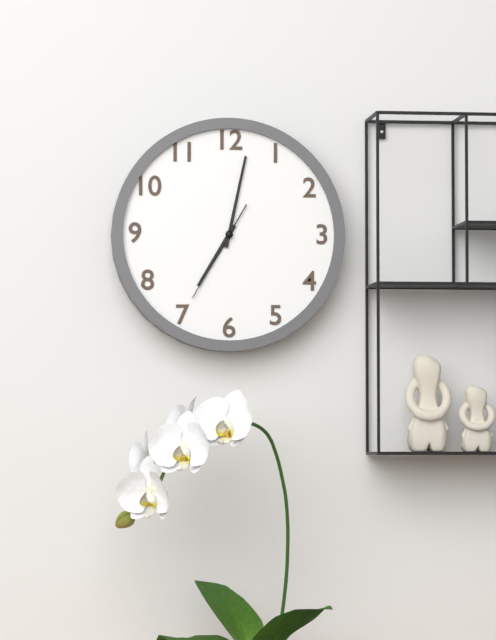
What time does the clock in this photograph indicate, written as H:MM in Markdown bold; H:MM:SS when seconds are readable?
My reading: **7:02:35**
